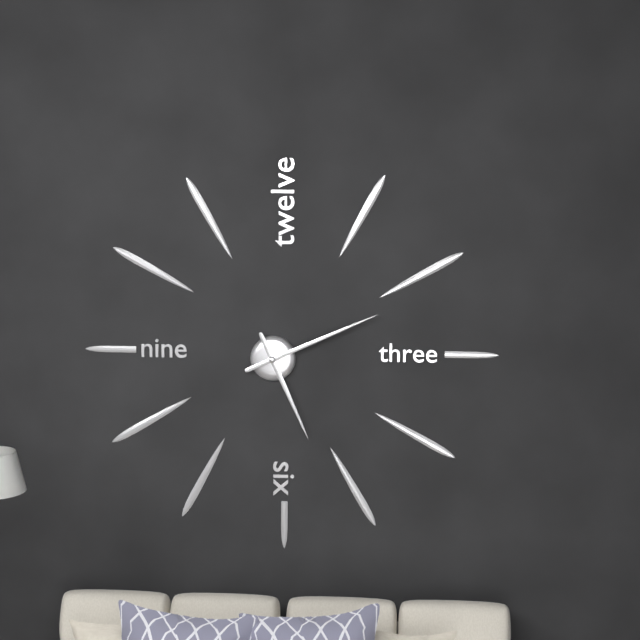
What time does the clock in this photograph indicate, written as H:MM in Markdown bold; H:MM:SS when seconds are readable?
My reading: **5:11**
